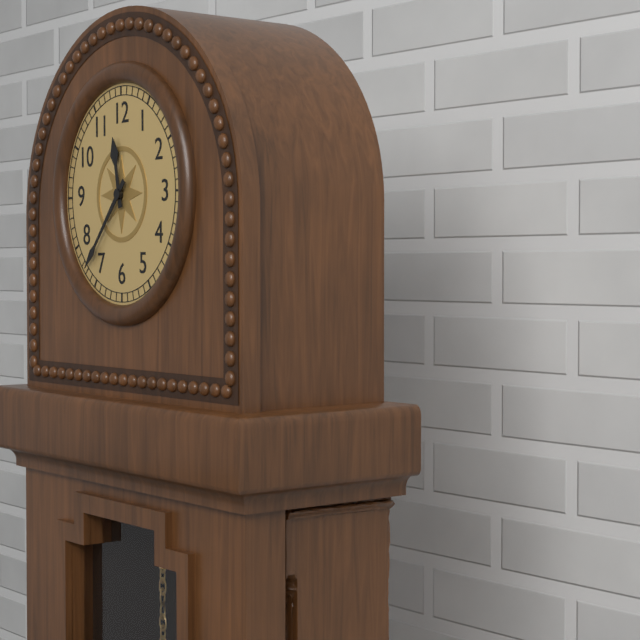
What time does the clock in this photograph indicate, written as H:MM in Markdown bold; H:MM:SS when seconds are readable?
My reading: **11:37**
